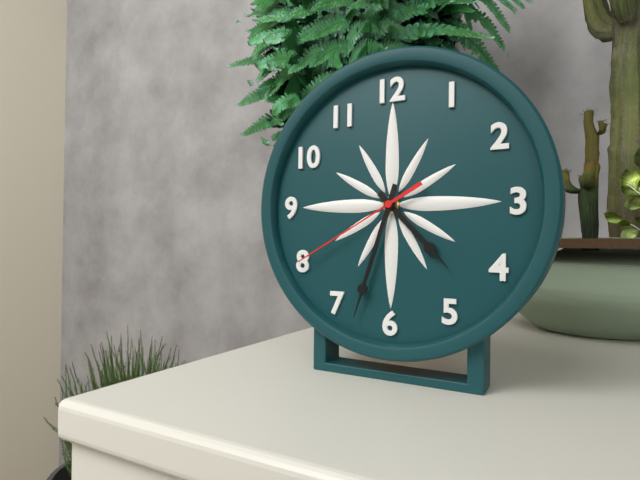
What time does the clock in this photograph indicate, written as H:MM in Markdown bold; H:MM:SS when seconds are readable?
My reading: **4:33:40**
